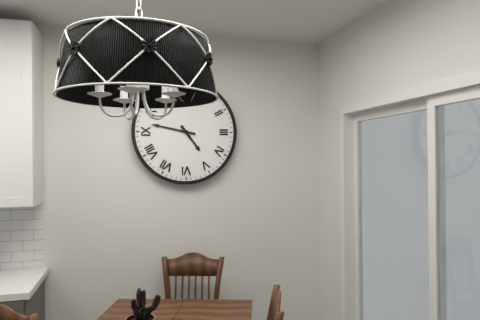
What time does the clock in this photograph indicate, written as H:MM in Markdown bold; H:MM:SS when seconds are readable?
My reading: **4:47**
